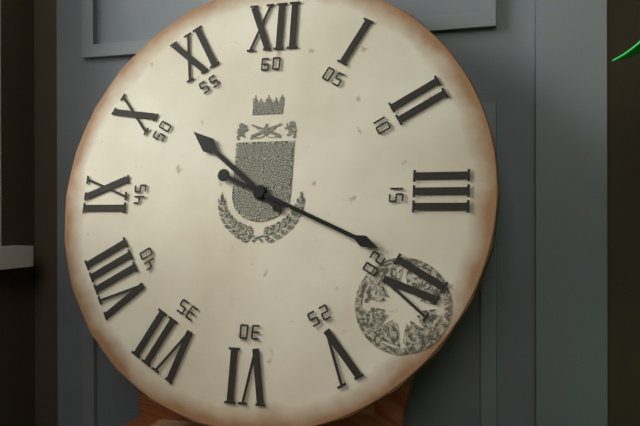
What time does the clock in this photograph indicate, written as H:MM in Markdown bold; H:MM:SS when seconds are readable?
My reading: **10:19**
